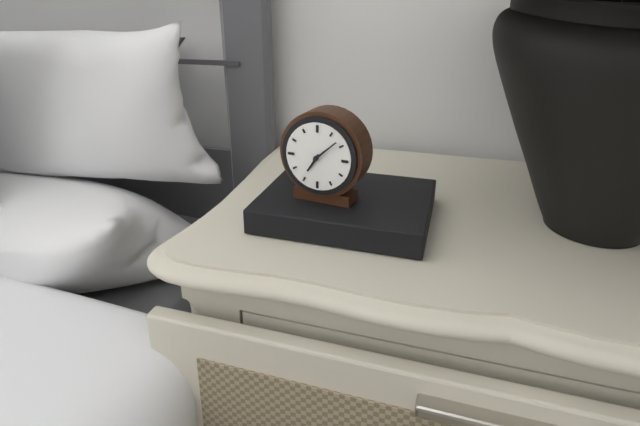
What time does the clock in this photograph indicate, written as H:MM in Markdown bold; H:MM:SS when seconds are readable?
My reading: **7:08**
